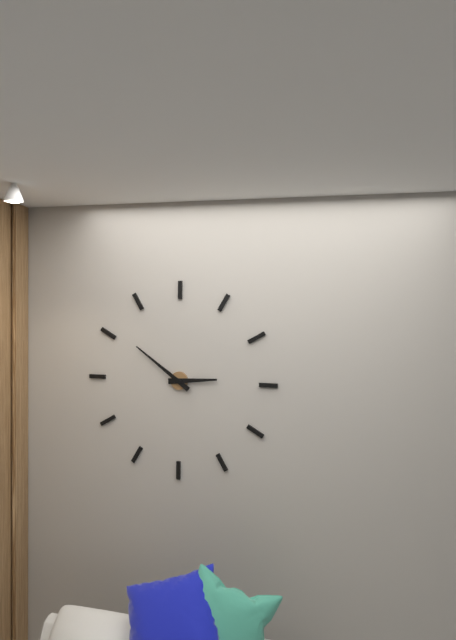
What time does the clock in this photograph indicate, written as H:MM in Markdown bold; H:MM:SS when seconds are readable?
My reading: **2:51**
